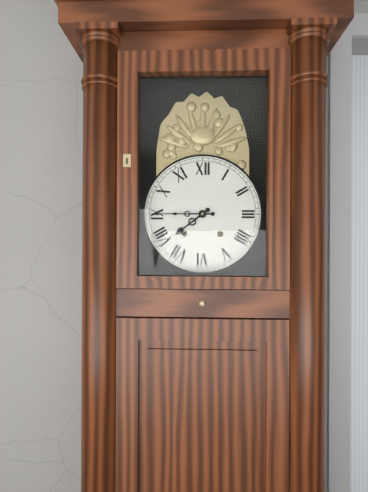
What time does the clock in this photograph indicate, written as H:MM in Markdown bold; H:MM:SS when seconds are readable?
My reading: **7:45**
